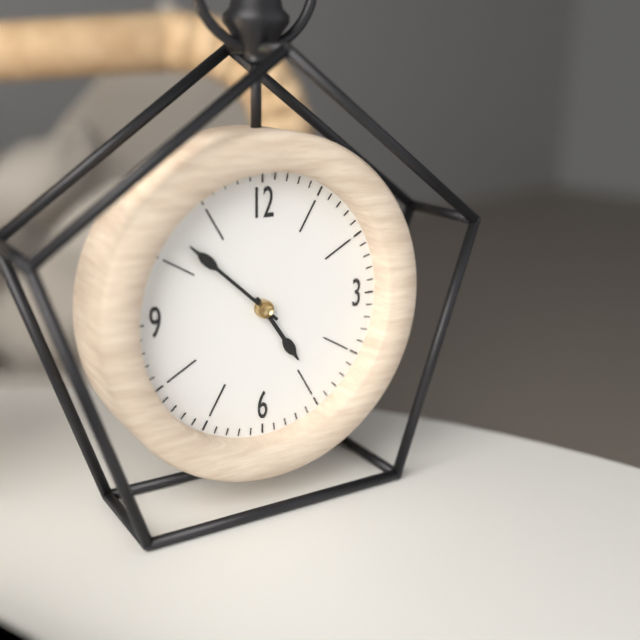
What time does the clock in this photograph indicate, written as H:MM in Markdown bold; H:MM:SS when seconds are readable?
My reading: **4:52**
